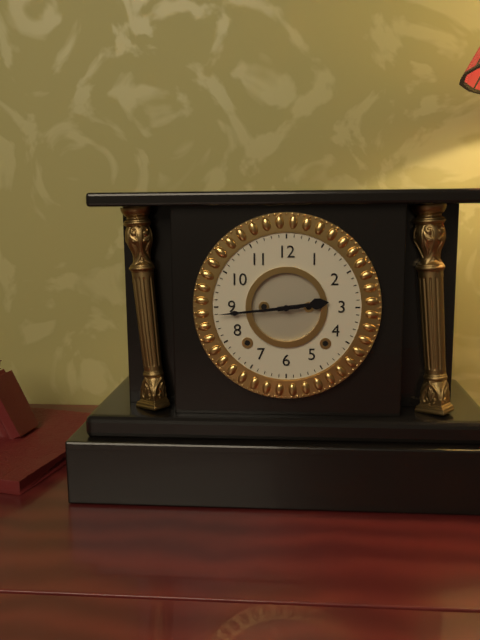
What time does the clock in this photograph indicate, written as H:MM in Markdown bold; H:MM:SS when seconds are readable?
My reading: **2:44**
